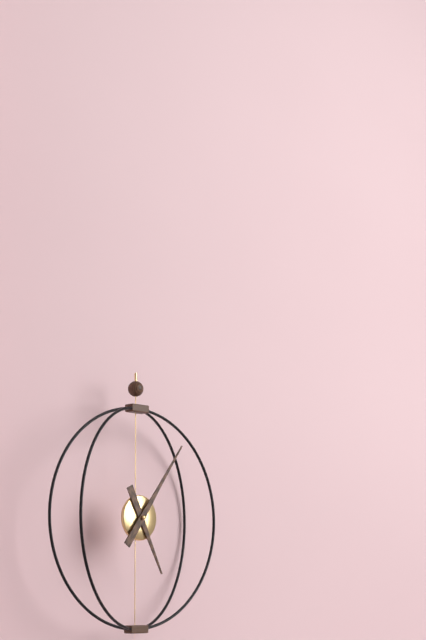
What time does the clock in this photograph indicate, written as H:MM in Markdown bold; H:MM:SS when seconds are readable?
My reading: **5:06**
